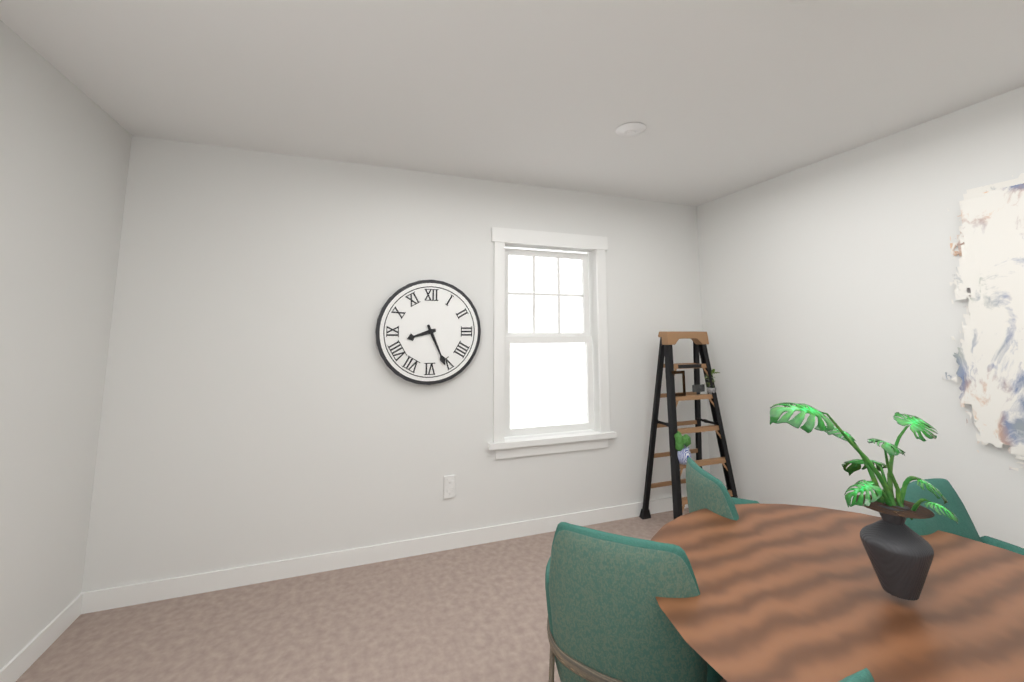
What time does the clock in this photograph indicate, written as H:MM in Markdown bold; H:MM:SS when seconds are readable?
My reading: **8:26**
